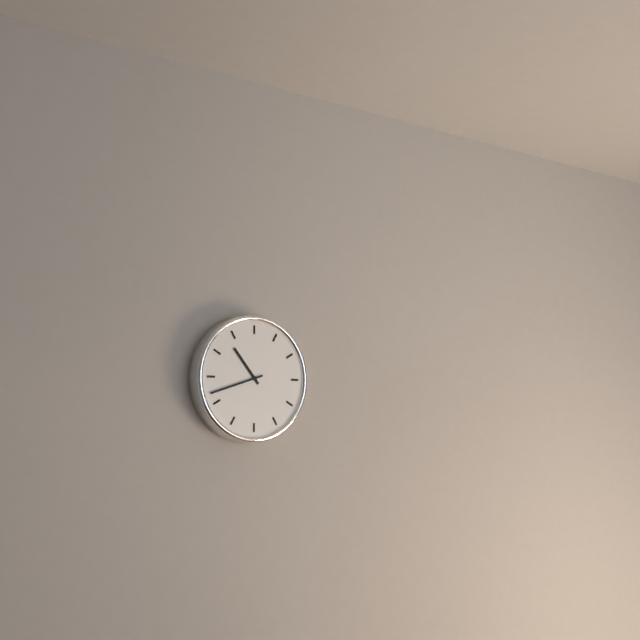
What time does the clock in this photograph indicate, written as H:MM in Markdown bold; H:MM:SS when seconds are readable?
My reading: **10:42**
